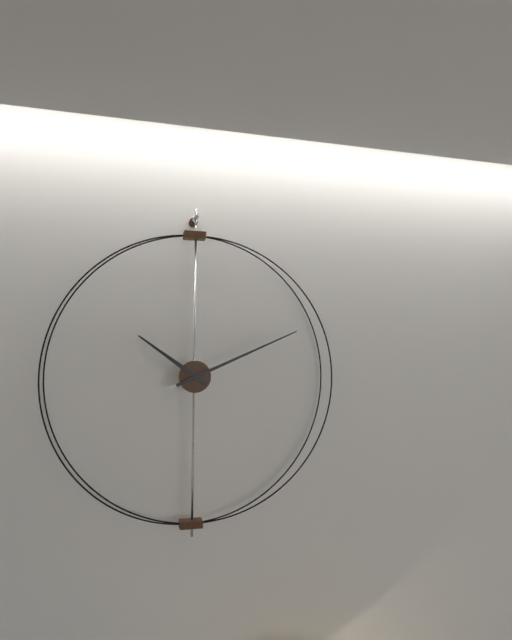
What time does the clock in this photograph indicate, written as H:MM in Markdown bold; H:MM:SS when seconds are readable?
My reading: **10:11**
